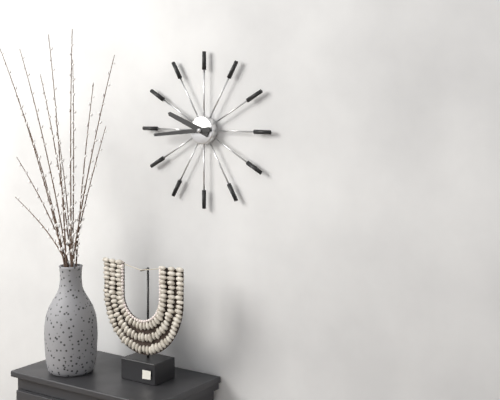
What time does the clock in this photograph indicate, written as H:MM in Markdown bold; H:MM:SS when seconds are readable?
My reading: **9:44**
